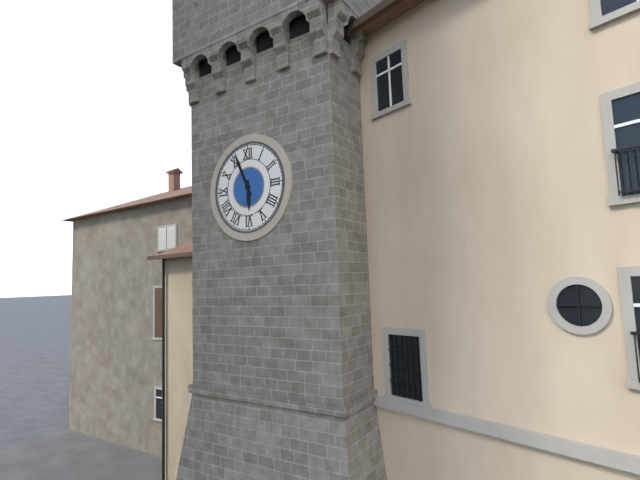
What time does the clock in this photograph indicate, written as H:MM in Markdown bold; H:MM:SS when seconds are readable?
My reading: **5:56**
